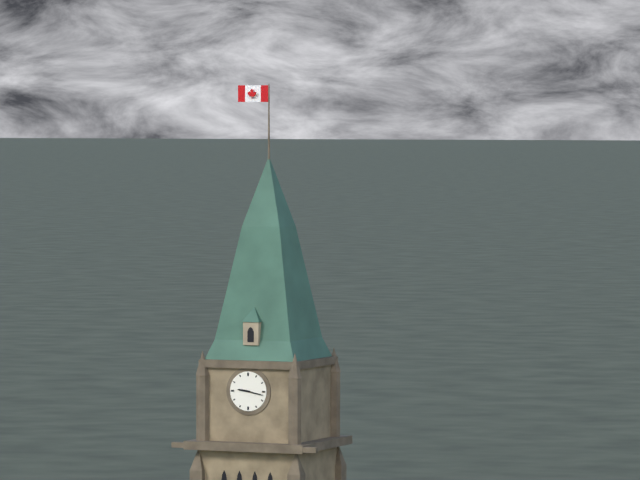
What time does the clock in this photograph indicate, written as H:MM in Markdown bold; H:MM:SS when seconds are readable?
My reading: **9:17**
